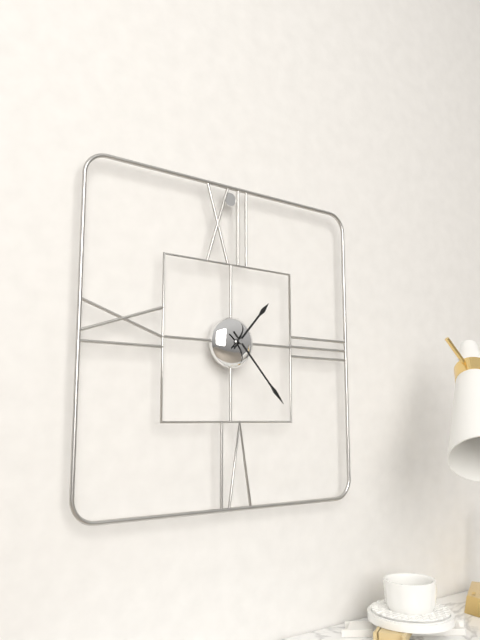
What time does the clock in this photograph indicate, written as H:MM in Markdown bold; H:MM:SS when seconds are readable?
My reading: **1:23**
